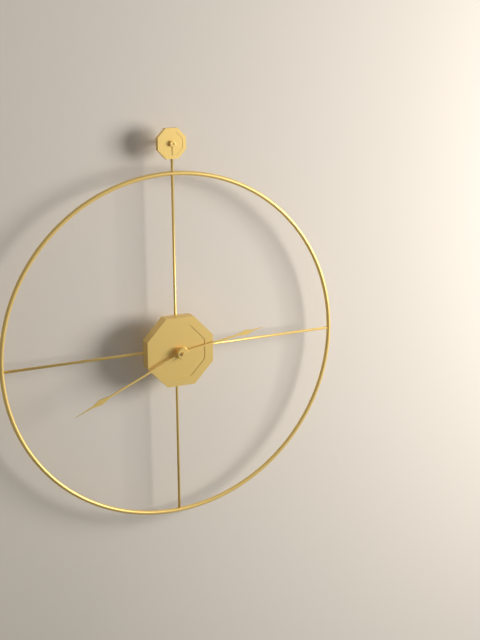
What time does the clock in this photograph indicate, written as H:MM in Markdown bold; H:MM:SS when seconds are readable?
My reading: **2:41**
